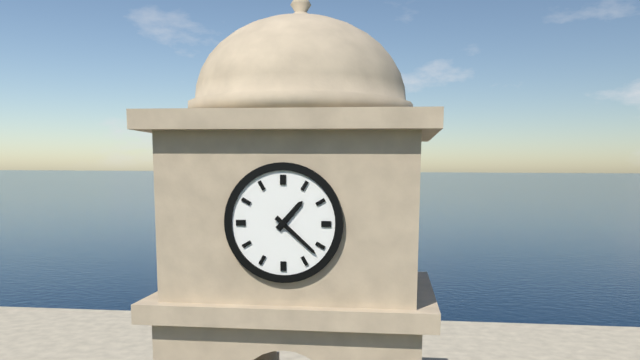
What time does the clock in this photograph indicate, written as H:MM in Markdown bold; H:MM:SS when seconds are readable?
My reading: **1:22**
